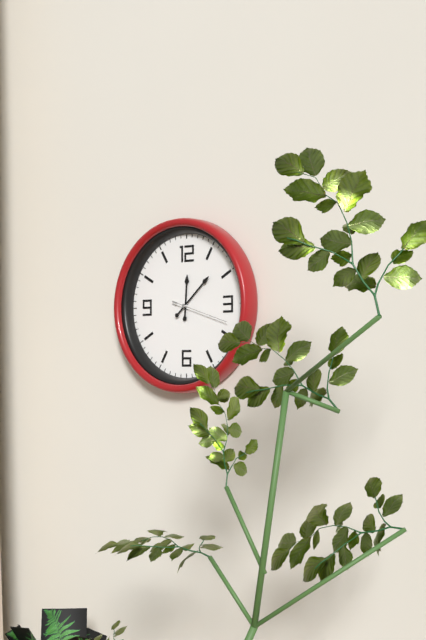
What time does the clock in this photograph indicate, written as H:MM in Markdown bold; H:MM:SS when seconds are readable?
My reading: **12:08**
